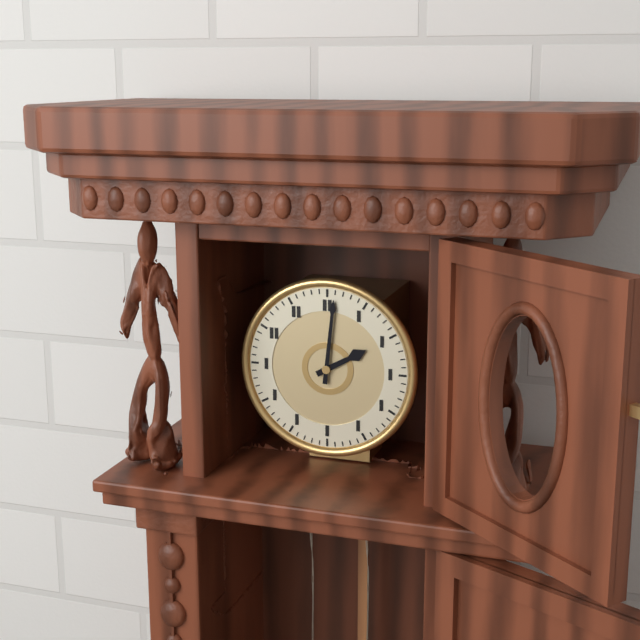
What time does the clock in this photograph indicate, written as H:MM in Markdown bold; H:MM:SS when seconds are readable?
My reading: **2:01**
